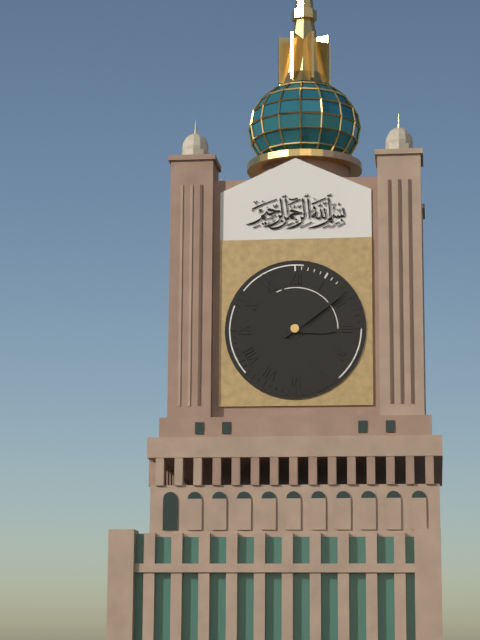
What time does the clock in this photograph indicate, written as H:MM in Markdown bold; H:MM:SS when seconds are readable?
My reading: **3:09**
